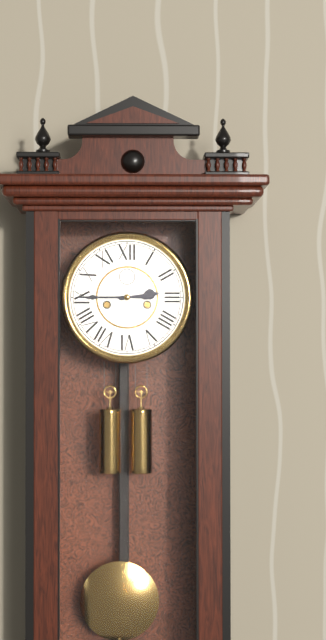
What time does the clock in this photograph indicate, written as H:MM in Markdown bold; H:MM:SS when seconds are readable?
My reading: **2:45**
